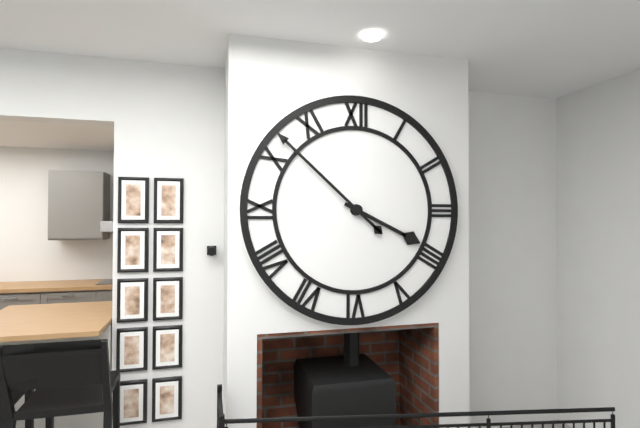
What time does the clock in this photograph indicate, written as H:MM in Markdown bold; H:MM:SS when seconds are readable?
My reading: **3:52**
